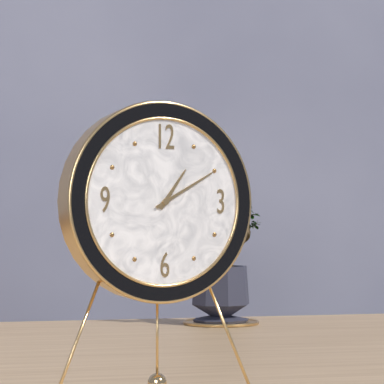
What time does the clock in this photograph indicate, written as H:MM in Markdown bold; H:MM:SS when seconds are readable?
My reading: **1:10**
